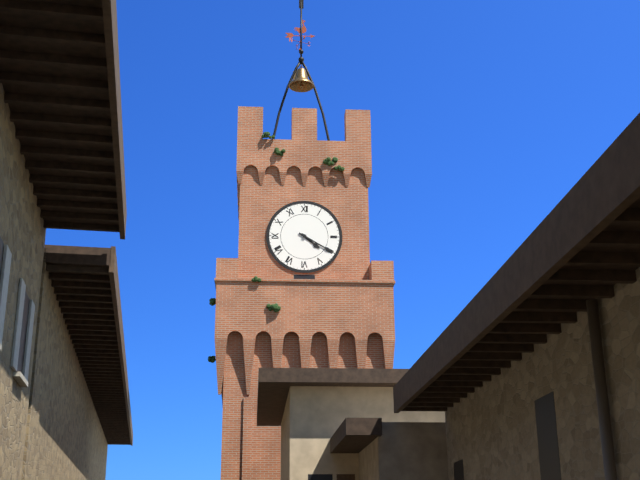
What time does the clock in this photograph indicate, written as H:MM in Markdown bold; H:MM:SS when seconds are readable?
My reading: **4:20**
